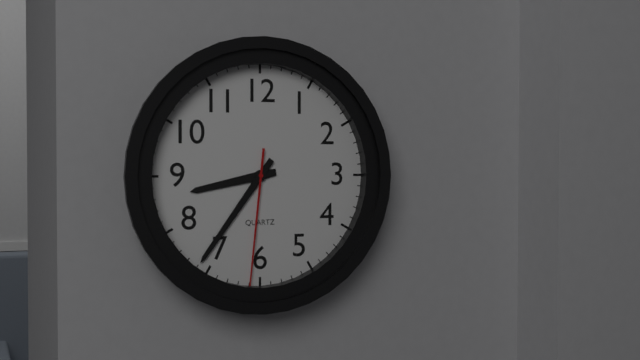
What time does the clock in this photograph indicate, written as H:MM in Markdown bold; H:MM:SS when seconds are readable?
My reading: **8:36:31**
